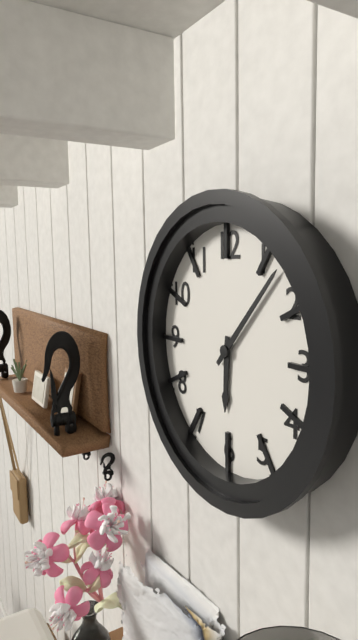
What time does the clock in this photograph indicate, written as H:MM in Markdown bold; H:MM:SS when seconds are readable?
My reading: **6:07**
